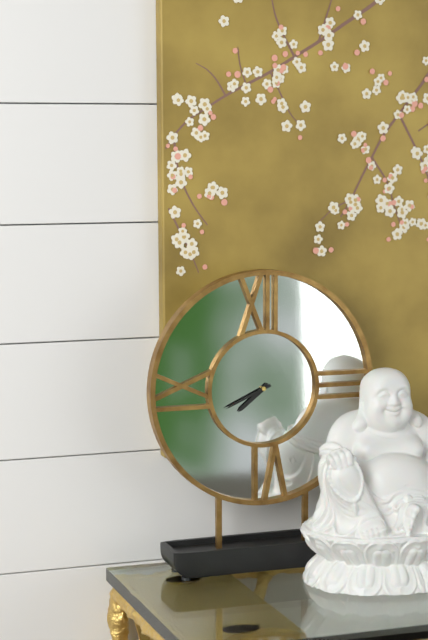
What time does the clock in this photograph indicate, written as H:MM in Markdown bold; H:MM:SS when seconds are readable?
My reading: **7:41**
